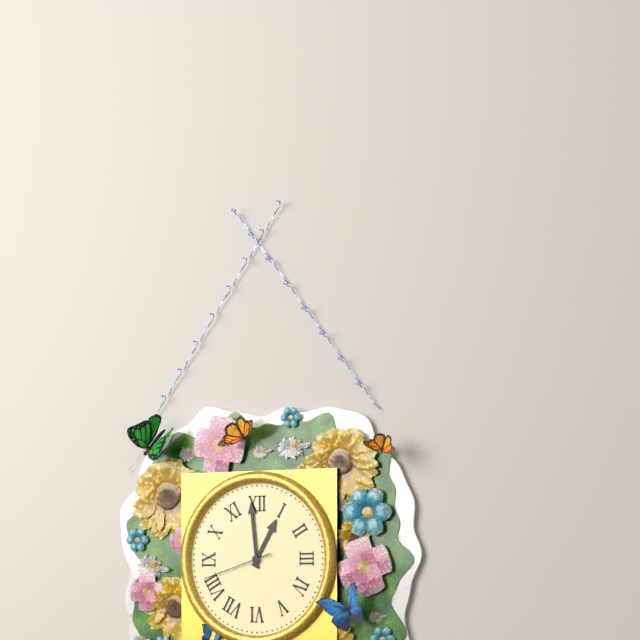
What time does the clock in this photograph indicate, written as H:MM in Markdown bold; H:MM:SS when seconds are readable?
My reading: **12:59:42**
